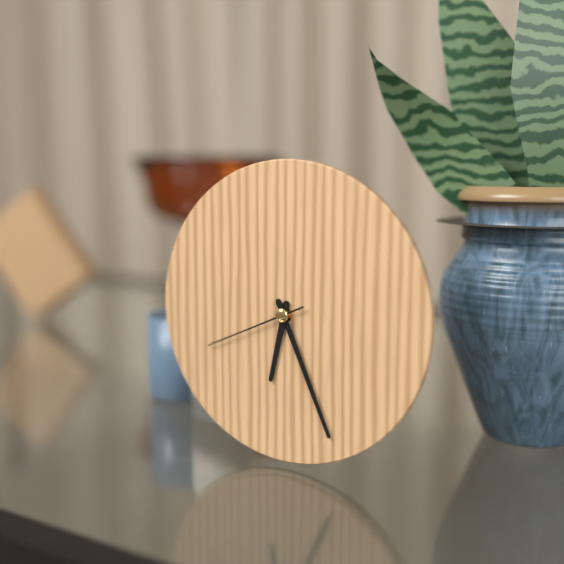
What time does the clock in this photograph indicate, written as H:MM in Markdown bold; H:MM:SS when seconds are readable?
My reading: **6:26:41**
